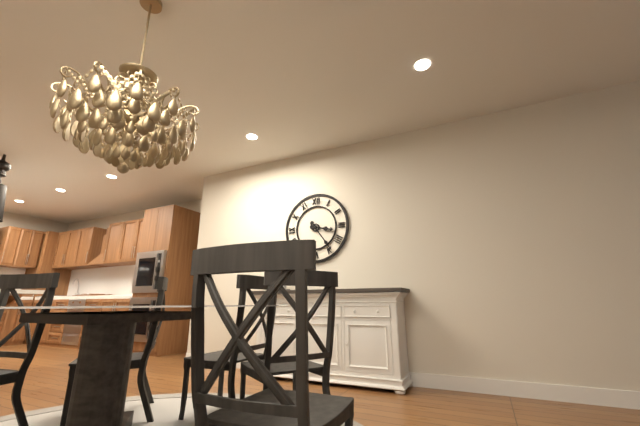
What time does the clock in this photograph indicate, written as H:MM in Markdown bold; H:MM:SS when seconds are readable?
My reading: **3:24**
